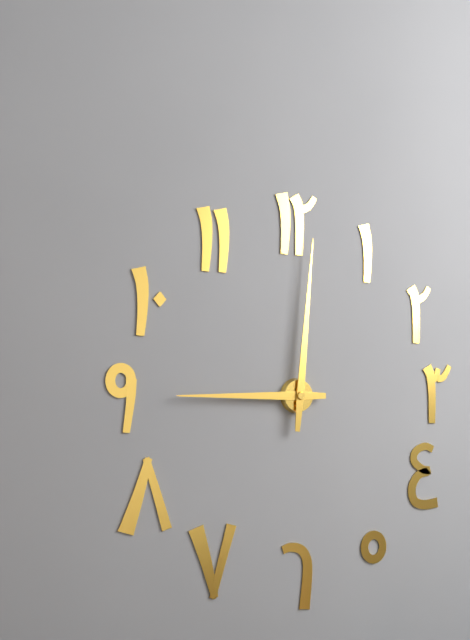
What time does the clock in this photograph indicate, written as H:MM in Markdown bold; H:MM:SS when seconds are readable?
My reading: **9:01**
